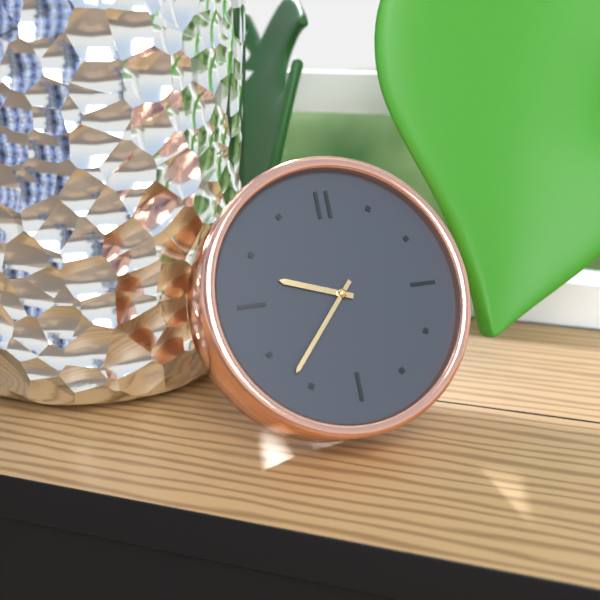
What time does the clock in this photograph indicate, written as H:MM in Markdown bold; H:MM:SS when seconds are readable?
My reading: **9:37**
